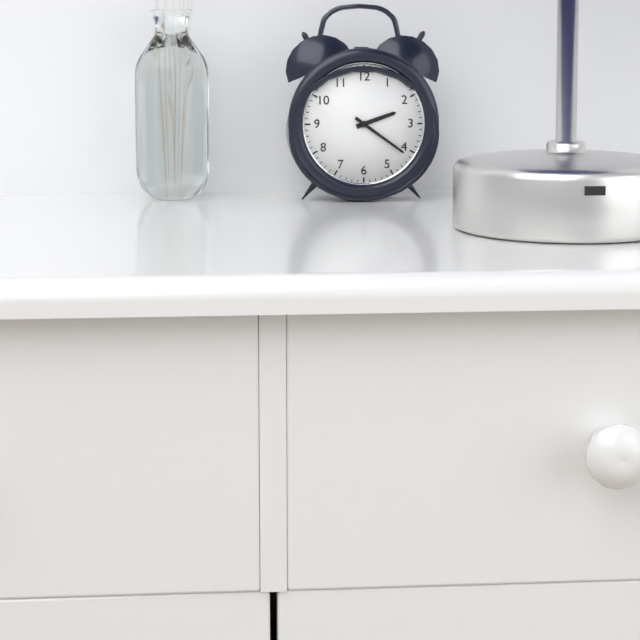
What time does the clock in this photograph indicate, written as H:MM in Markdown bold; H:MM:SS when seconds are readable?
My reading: **2:21**
